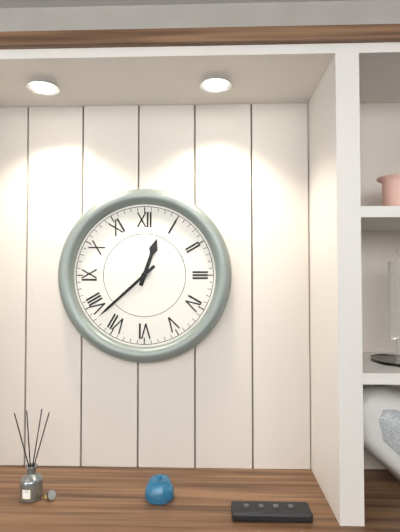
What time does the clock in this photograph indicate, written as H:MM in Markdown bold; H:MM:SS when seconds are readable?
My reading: **12:38**
